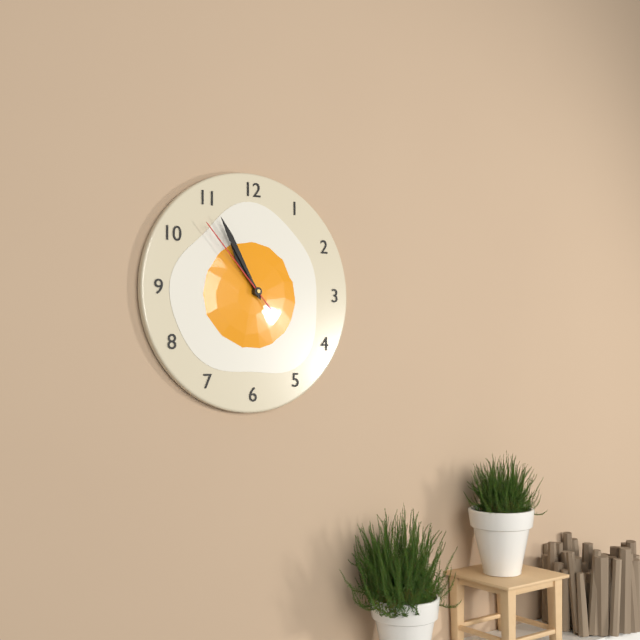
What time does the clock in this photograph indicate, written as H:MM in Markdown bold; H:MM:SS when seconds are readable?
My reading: **10:55:53**
